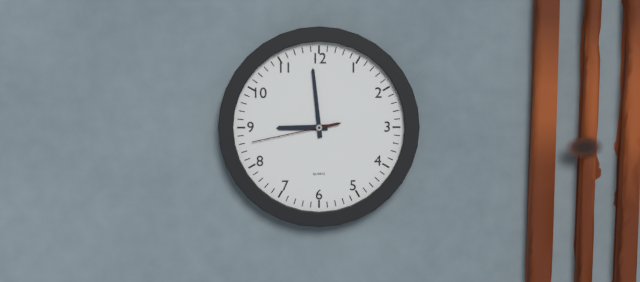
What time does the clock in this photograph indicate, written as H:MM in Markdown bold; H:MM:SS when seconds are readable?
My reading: **8:59:43**
